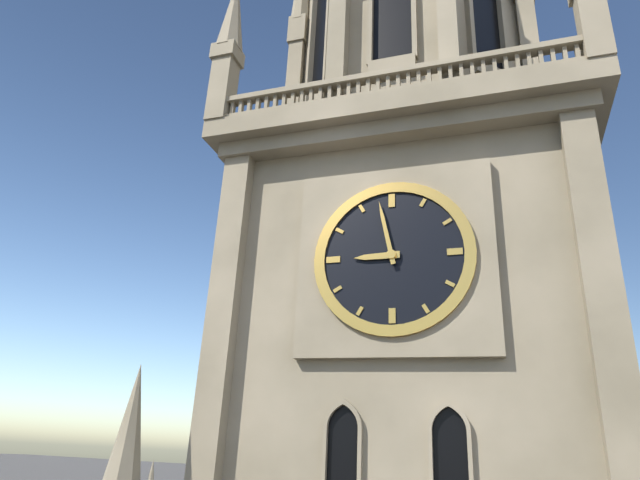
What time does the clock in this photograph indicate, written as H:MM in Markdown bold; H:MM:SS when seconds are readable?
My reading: **8:58**
